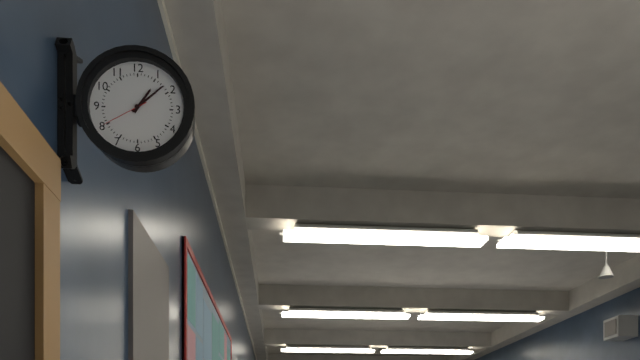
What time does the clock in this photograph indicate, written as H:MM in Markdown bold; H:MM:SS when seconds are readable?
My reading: **1:08**
